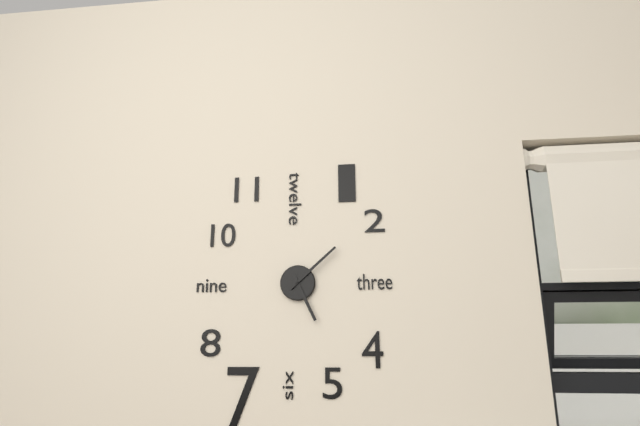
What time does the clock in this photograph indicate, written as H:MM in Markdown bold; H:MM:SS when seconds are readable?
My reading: **5:08**
